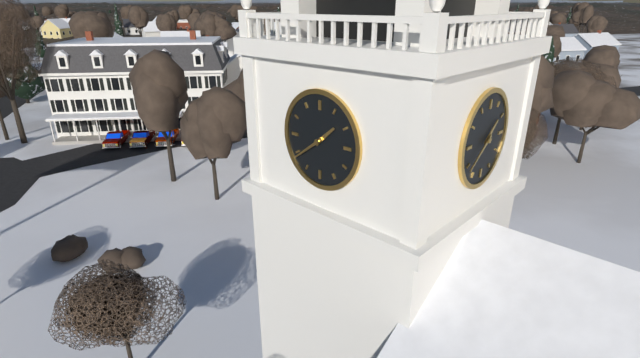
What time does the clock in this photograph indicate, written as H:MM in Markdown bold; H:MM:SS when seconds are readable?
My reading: **1:39**
